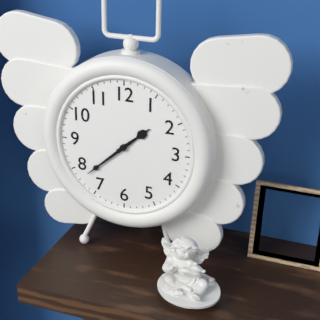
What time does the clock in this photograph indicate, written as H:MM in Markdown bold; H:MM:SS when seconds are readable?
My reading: **1:38**
